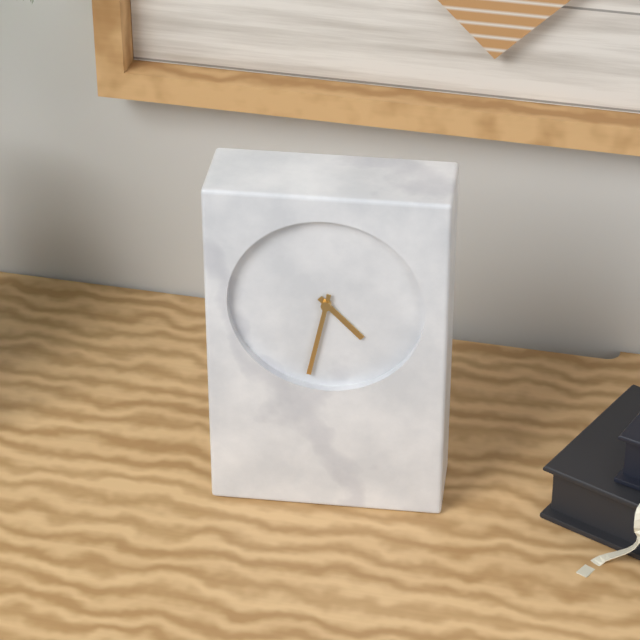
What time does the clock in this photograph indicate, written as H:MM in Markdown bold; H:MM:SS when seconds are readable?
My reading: **4:32**
